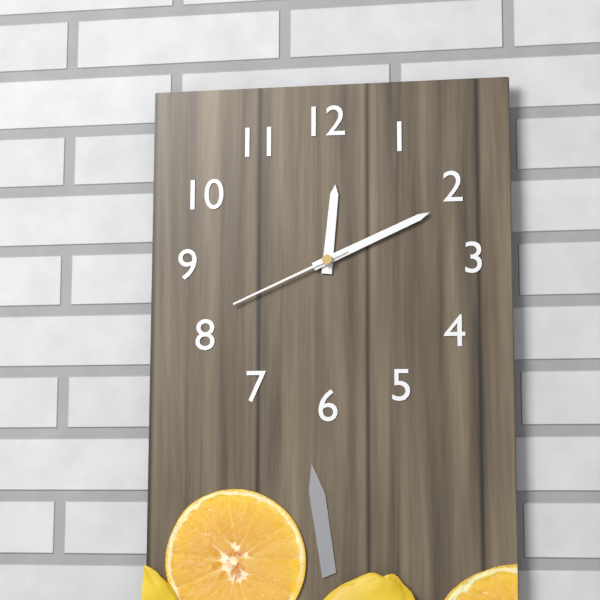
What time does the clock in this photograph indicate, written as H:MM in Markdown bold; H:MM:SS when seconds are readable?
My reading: **12:11:41**
